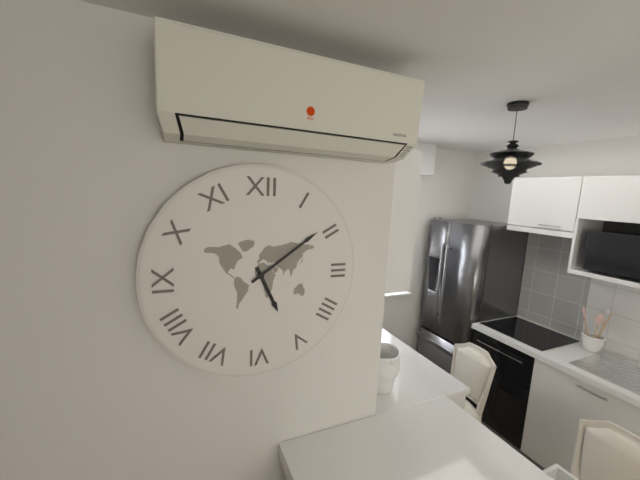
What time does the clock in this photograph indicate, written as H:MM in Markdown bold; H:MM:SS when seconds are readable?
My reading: **5:09**
